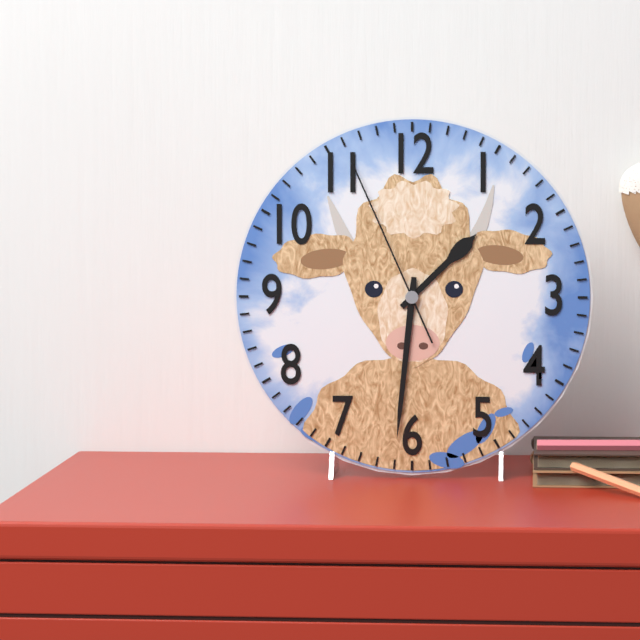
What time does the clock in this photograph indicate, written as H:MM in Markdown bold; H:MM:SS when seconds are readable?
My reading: **1:31:56**
